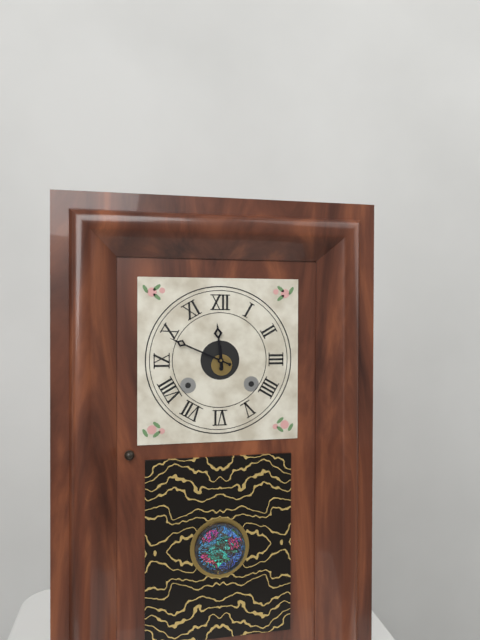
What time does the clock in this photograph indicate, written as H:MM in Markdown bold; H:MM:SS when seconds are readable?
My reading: **11:49**
